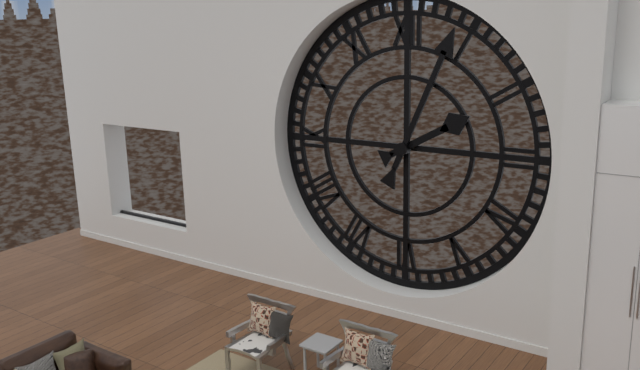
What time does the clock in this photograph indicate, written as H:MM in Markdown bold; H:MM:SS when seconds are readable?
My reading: **2:04**
